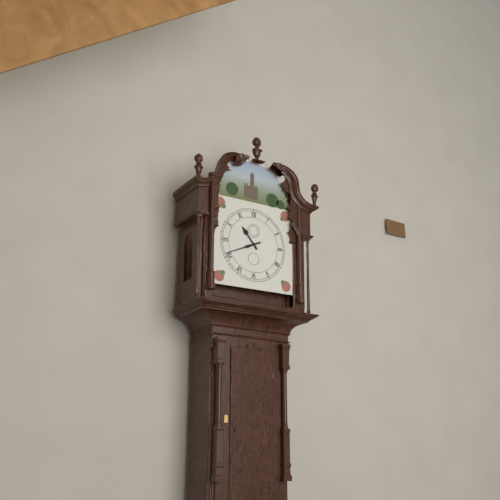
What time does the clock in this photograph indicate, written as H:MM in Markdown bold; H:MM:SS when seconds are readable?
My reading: **10:41**
